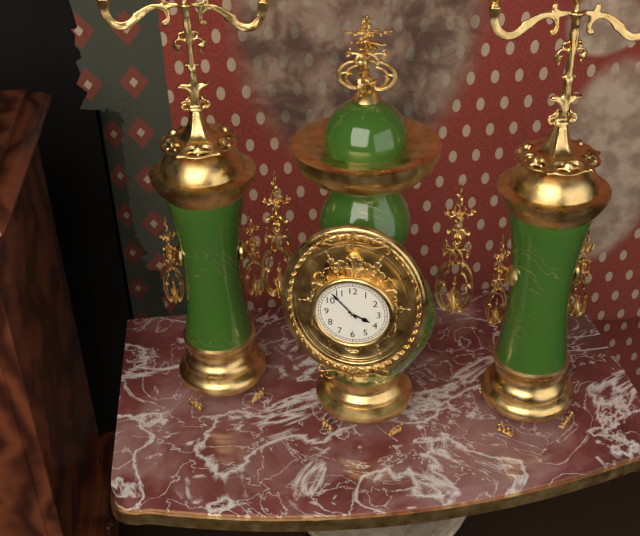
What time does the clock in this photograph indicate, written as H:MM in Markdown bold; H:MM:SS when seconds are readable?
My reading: **3:53**
